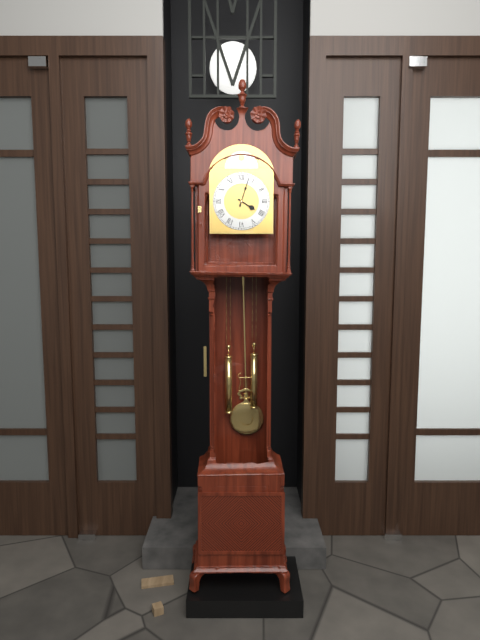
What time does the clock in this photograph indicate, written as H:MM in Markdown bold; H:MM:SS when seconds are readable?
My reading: **4:03**
